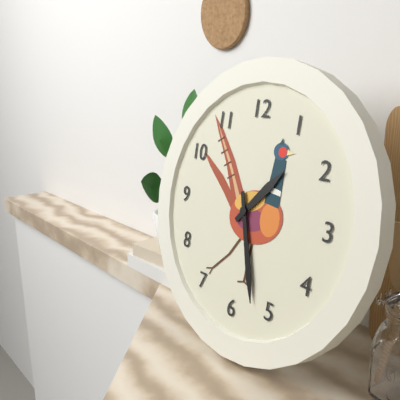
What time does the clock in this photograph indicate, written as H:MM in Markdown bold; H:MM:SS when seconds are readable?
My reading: **1:27**
